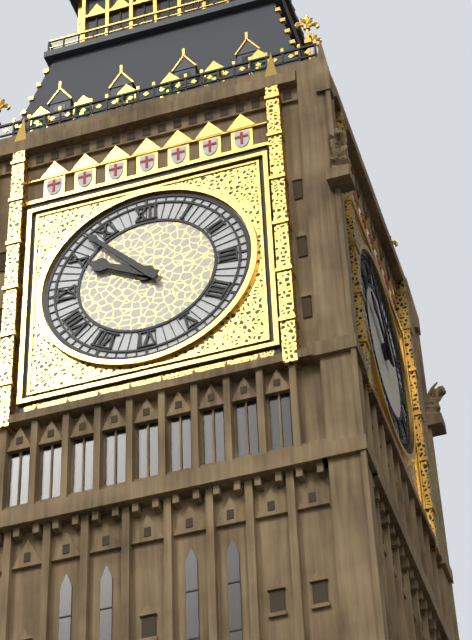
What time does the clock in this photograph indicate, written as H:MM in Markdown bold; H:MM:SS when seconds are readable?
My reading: **9:53**
